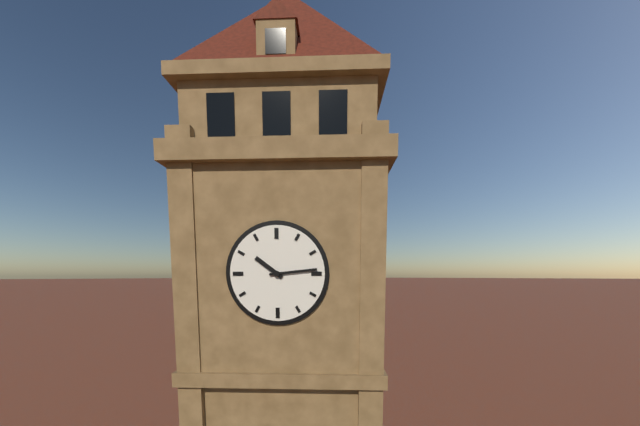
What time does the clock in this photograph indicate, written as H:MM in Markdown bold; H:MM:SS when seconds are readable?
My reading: **10:14**
